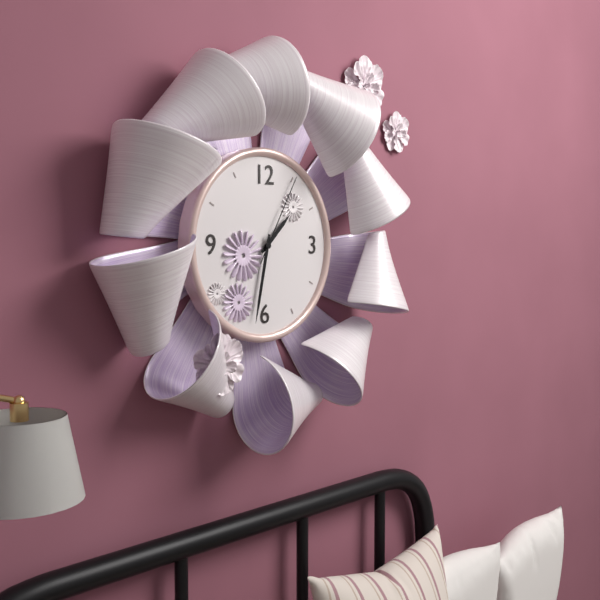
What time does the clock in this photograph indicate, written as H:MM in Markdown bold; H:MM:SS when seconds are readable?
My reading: **1:32:05**
